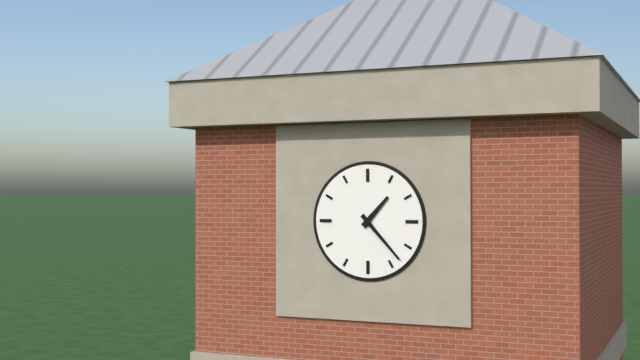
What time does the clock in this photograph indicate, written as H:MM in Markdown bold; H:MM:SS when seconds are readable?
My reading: **1:23**
